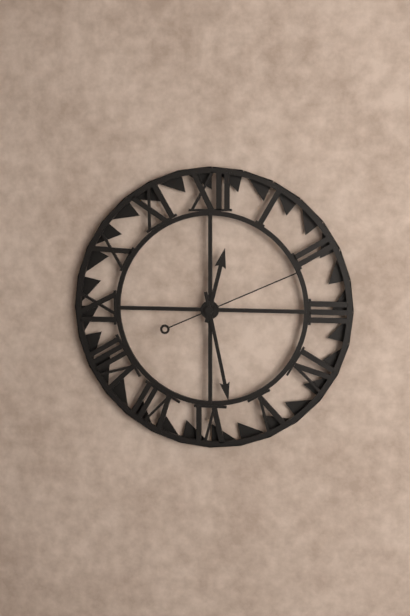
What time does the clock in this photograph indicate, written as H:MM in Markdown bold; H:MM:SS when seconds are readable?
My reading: **12:28:11**
